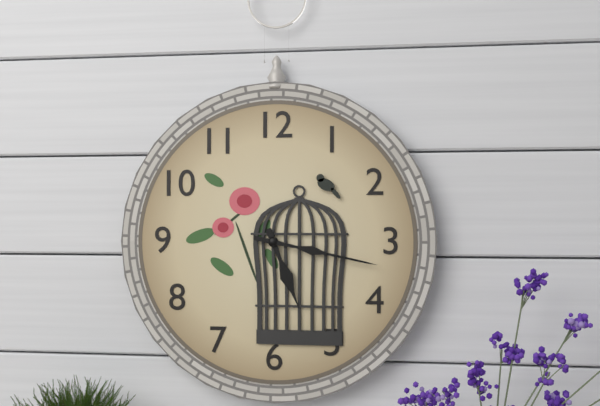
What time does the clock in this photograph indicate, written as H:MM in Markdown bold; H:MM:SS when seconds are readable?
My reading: **5:17**
